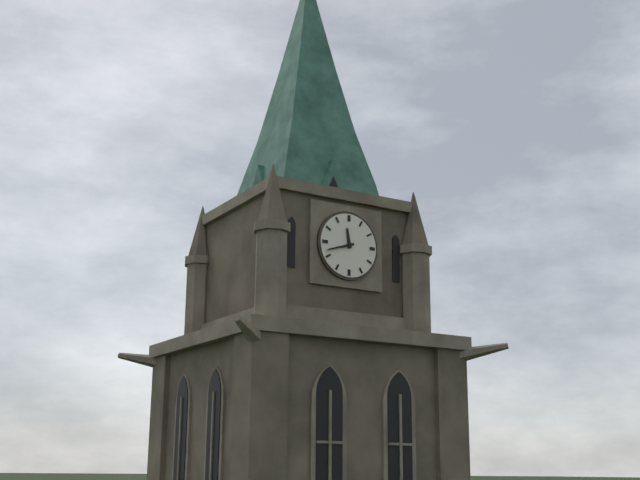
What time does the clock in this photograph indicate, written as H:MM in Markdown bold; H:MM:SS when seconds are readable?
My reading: **11:42**
